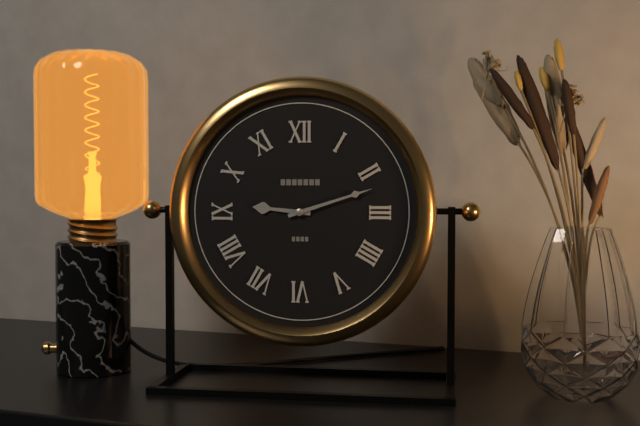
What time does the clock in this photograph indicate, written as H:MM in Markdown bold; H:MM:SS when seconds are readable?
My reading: **9:12**
